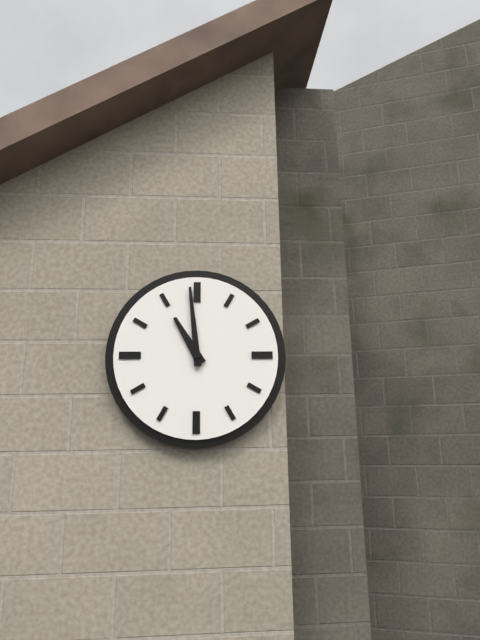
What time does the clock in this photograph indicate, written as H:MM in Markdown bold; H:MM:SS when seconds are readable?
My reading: **10:59**
